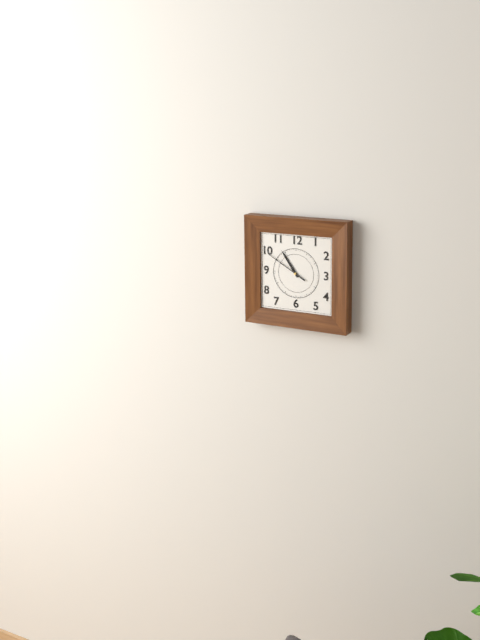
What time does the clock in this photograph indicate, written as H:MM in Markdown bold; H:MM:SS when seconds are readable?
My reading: **10:50**
